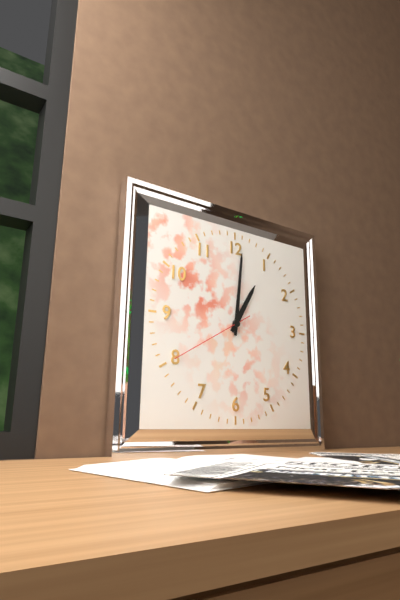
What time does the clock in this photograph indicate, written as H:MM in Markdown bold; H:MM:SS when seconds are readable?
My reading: **1:01:40**
